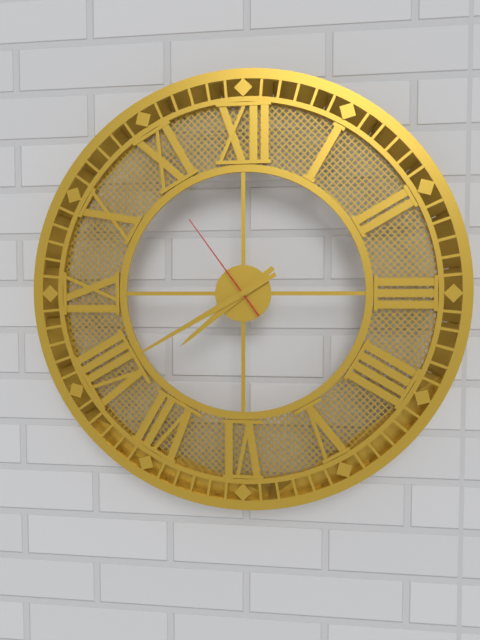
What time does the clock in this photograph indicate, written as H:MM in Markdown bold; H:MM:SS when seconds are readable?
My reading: **7:40:54**
